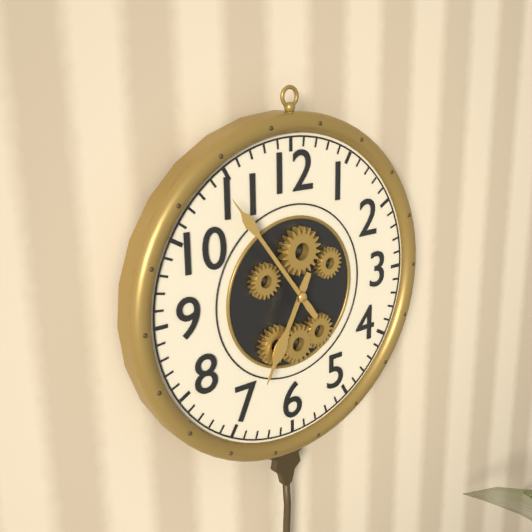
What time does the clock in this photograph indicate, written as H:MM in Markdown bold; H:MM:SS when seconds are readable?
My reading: **6:54**
